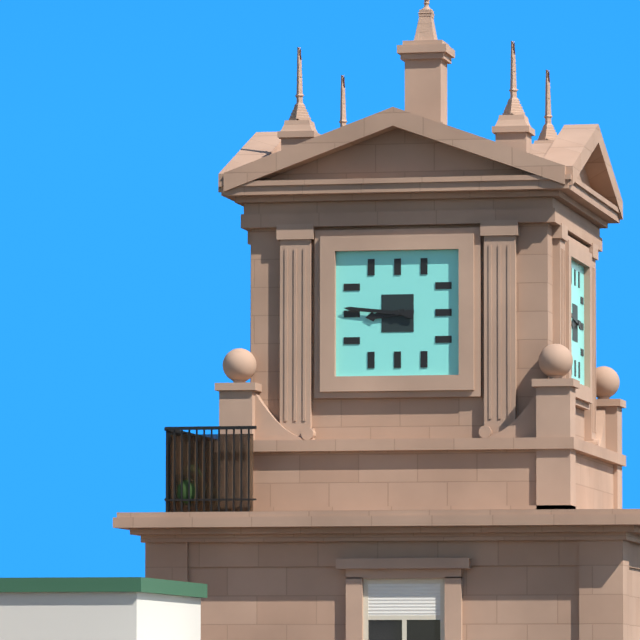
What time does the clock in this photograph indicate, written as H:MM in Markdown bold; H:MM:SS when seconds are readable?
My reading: **8:46**
